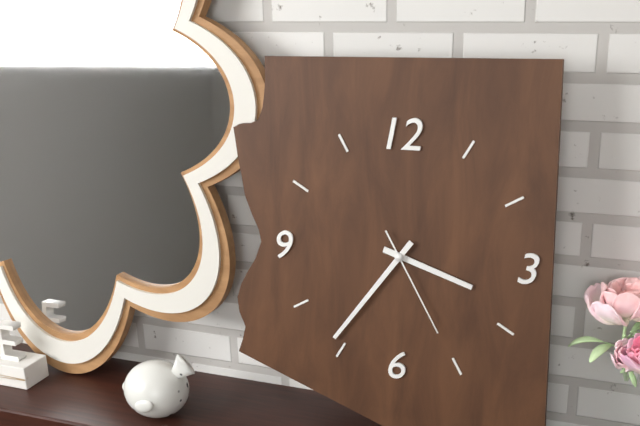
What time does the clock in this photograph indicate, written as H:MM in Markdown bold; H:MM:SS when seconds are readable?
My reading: **3:36:25**
